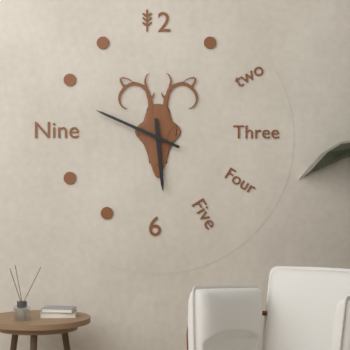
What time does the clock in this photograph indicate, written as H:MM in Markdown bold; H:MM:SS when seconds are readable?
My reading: **5:49**
